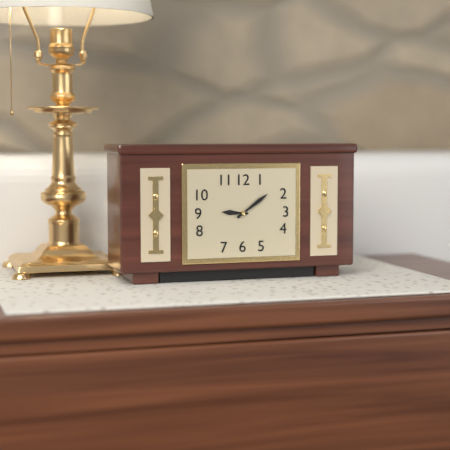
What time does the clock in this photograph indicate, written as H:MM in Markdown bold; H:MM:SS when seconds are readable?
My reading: **9:09**
